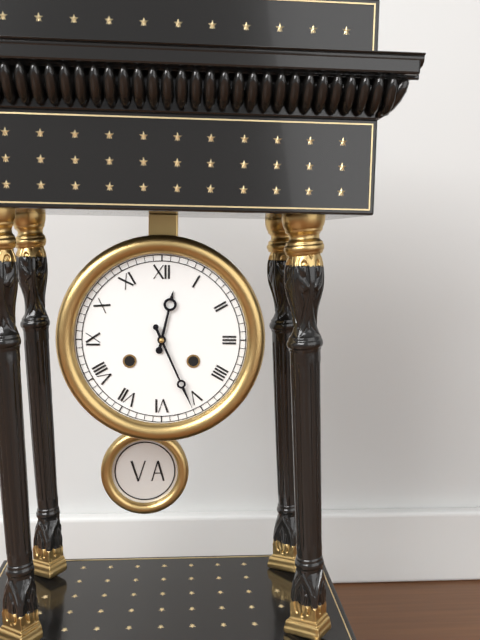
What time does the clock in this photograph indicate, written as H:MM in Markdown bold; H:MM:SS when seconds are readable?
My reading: **12:26**
